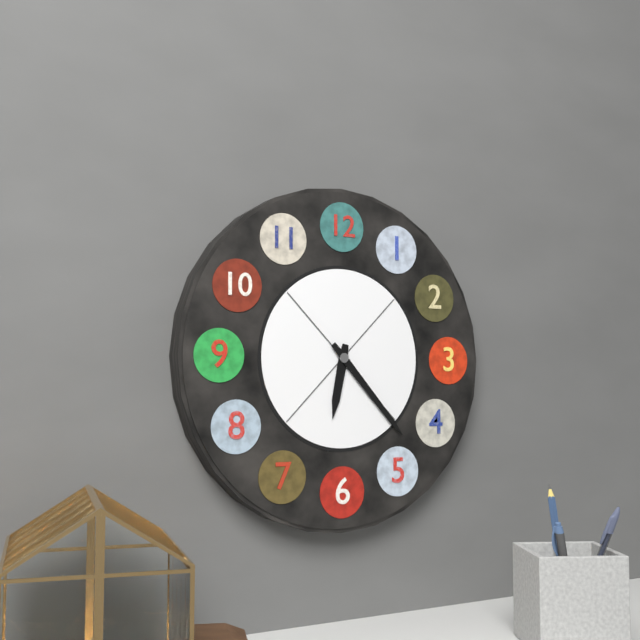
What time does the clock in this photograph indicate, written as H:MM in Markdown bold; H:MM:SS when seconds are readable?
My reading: **6:23**
